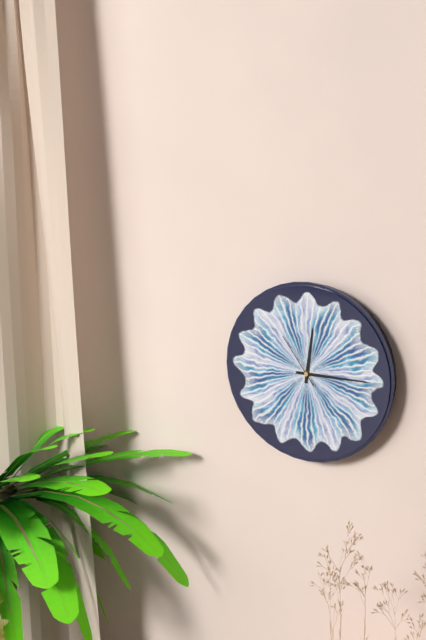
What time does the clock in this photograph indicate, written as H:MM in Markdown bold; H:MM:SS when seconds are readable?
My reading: **12:15:54**
